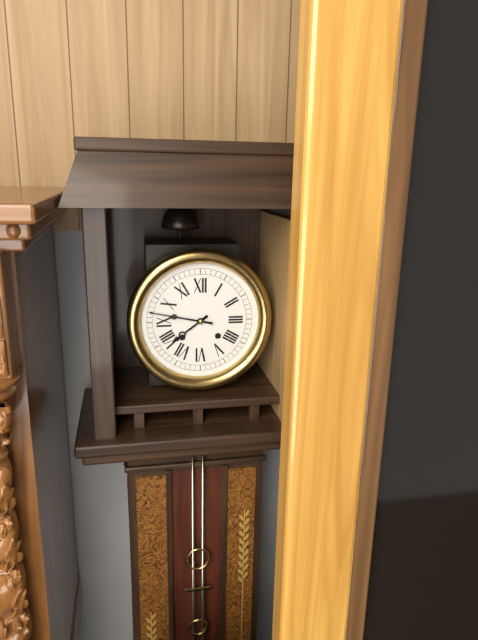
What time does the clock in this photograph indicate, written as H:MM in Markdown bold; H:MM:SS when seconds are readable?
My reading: **7:47**
